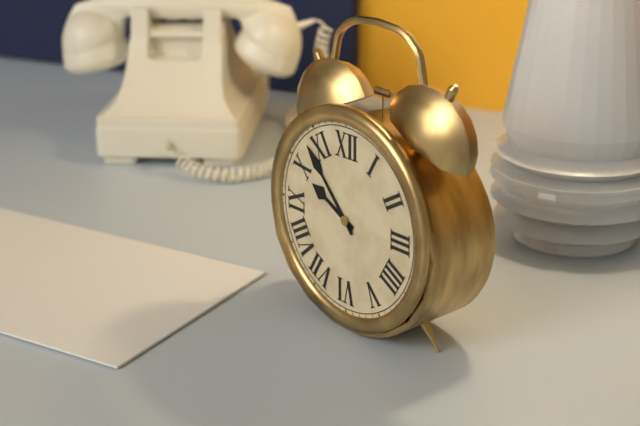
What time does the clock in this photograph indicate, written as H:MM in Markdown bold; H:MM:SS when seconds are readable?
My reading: **9:53**
